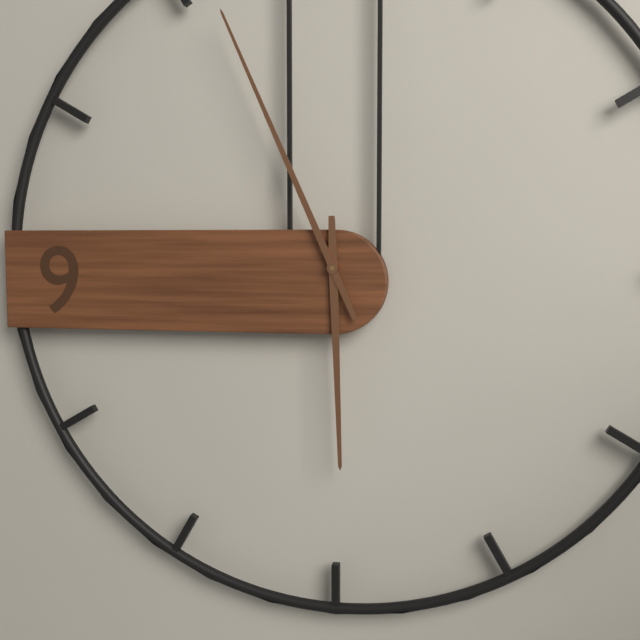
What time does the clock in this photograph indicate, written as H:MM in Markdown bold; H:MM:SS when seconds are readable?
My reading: **5:56**
